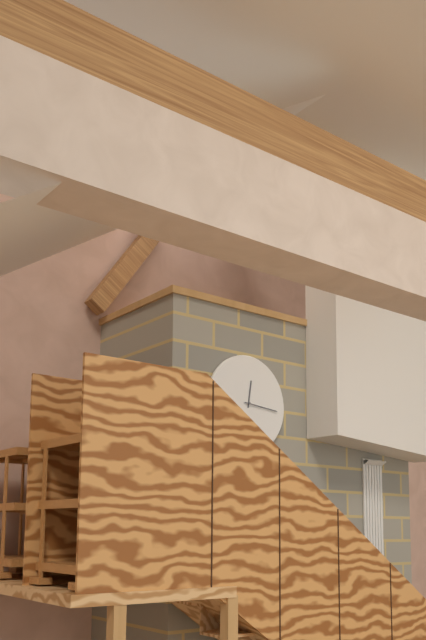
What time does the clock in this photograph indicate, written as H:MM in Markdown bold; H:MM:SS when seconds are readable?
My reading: **12:16**
